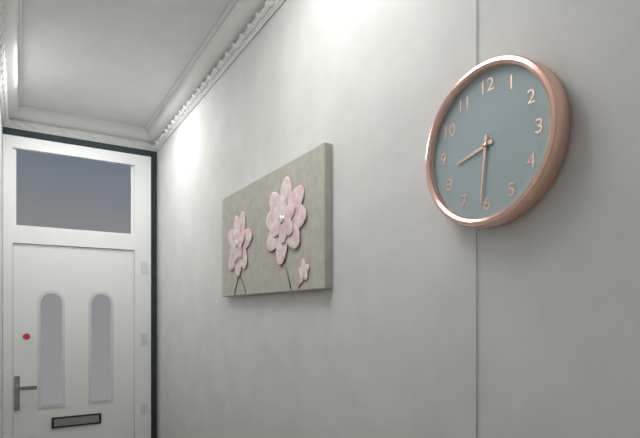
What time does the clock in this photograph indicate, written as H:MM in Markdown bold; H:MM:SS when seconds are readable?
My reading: **8:31**
